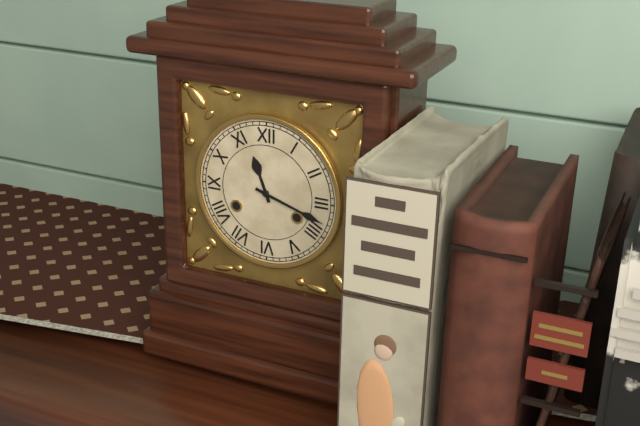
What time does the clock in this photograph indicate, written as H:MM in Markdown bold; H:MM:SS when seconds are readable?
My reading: **11:18**
